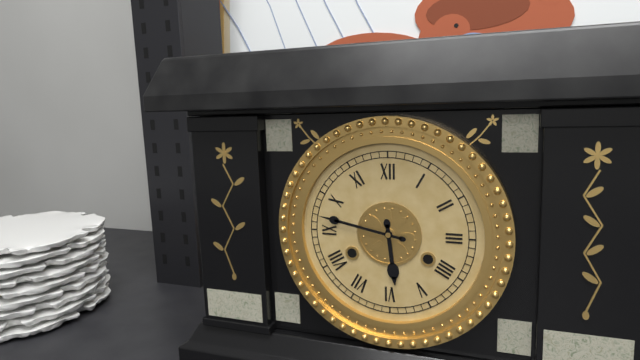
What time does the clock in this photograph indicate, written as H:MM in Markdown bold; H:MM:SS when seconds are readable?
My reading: **5:47**
